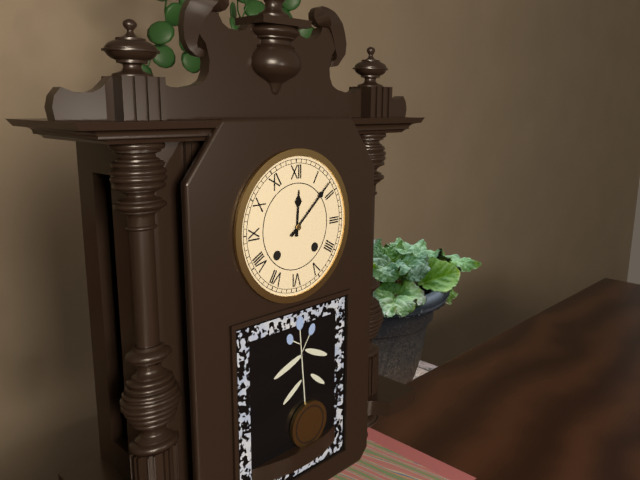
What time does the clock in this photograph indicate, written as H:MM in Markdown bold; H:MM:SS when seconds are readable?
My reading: **12:08**
